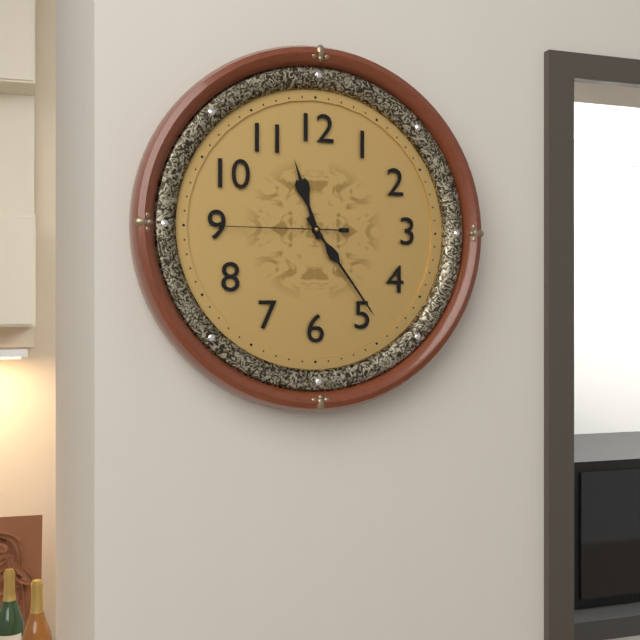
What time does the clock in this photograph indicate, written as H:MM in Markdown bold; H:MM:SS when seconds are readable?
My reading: **11:24:45**
